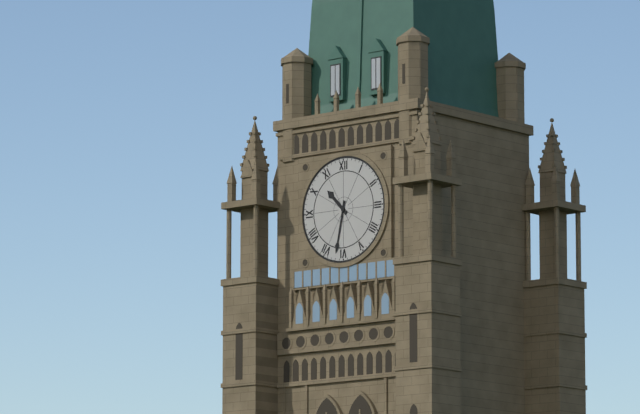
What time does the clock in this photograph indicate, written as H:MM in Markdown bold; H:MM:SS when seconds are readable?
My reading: **10:32**
